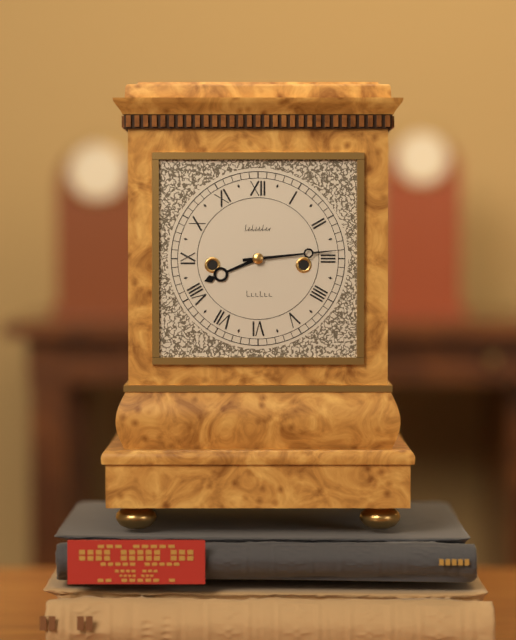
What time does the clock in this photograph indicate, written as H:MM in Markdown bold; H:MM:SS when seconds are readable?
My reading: **8:14**
